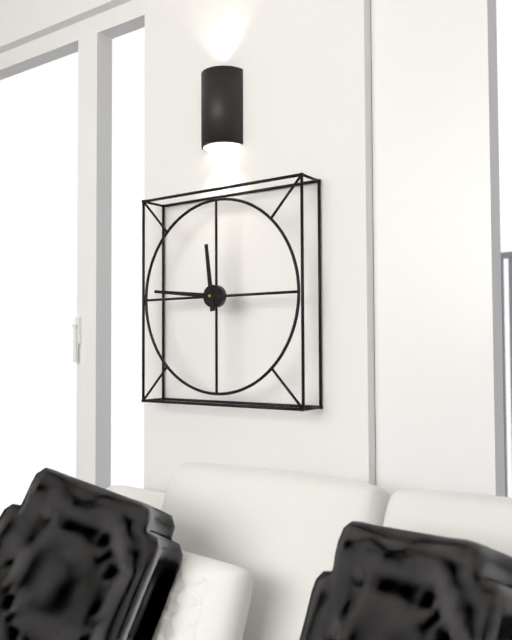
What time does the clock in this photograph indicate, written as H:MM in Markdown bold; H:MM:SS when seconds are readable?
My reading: **11:46**
